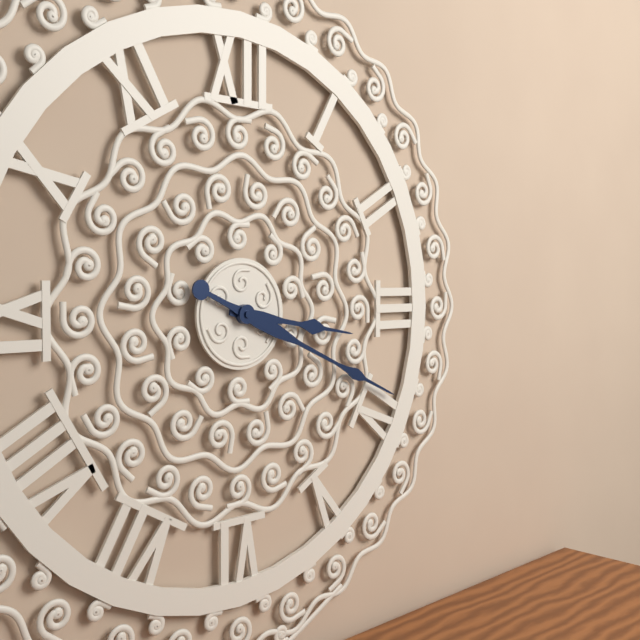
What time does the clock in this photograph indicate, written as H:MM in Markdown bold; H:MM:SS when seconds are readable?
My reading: **3:19**
